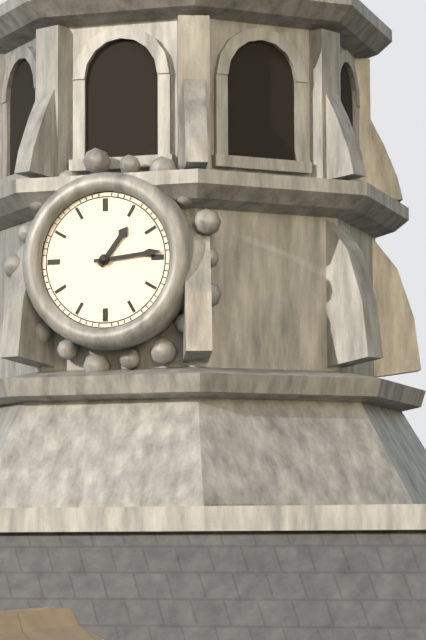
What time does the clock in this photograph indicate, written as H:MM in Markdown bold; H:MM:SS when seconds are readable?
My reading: **1:14**
